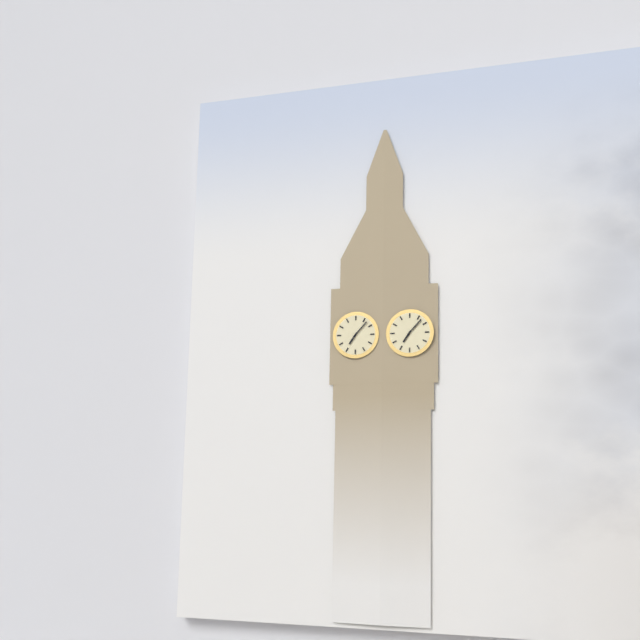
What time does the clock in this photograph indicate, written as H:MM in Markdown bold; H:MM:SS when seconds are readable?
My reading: **7:07**
